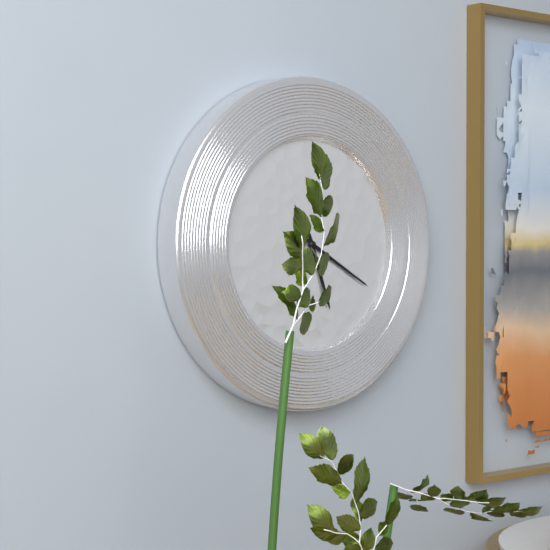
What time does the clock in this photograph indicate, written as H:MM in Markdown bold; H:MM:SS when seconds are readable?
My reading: **5:20**
